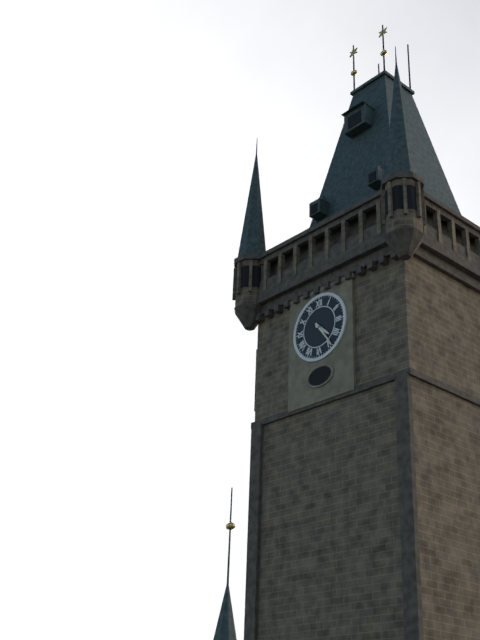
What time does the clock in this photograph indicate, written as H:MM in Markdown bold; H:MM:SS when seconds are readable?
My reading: **4:24**
